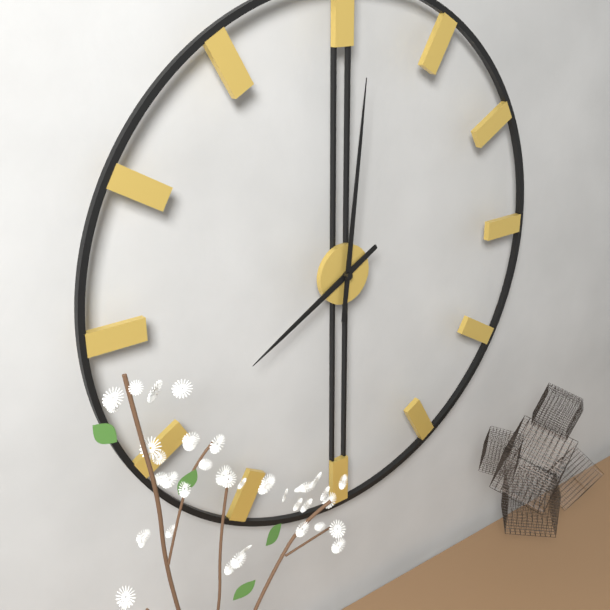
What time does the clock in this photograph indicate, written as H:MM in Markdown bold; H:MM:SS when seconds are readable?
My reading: **8:01**
